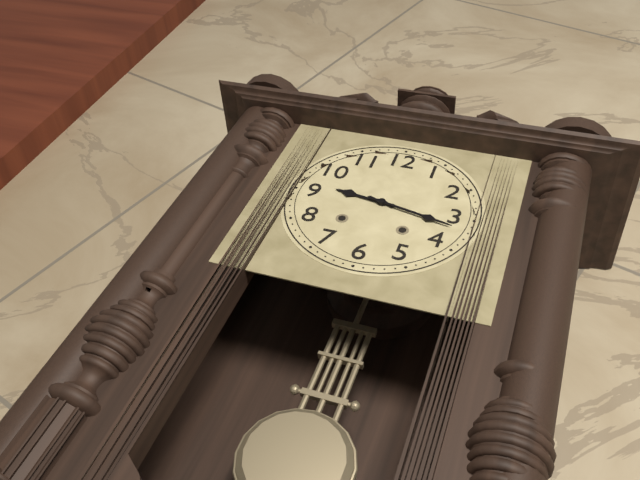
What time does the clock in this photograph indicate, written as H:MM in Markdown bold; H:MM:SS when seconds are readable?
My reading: **9:17**
